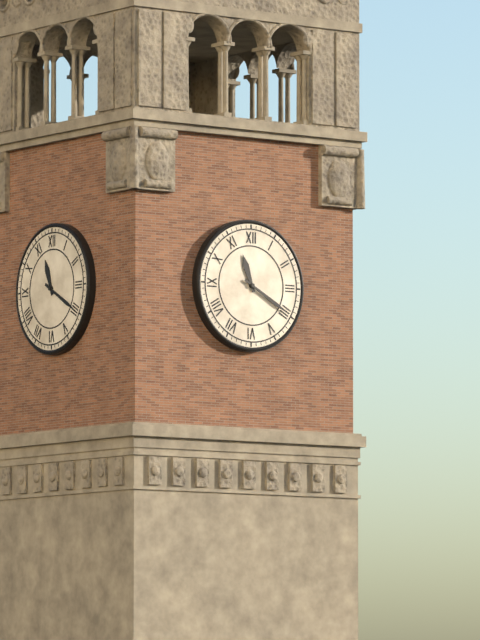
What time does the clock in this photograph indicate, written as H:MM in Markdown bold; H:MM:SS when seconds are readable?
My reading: **11:20**
